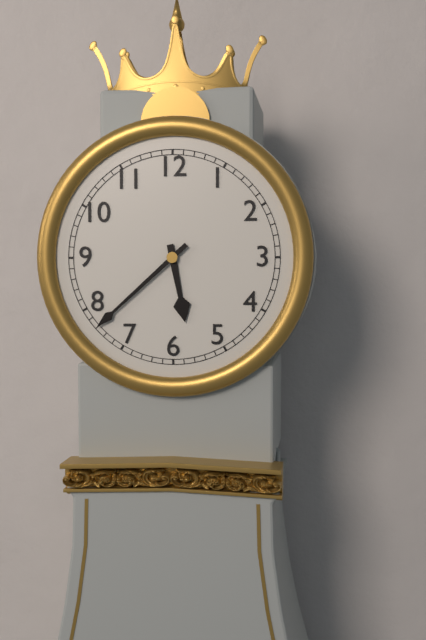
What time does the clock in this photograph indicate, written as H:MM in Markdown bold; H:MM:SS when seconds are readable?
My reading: **5:38**
